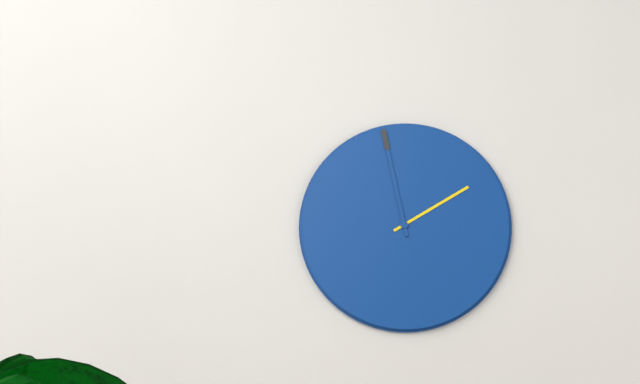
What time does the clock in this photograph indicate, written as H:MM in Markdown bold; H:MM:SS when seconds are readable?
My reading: **1:58**
